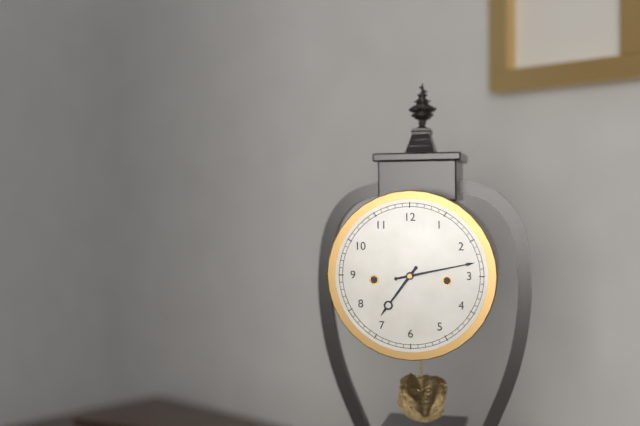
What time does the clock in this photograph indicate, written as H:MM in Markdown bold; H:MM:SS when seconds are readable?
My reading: **7:13**
